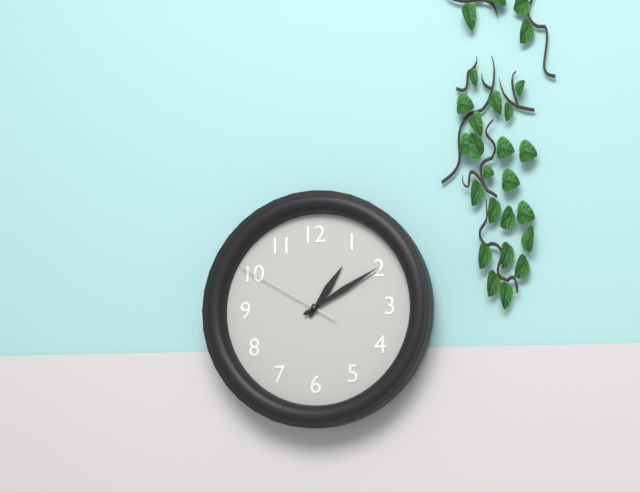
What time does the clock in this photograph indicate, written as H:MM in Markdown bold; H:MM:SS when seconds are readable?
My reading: **1:10:50**
